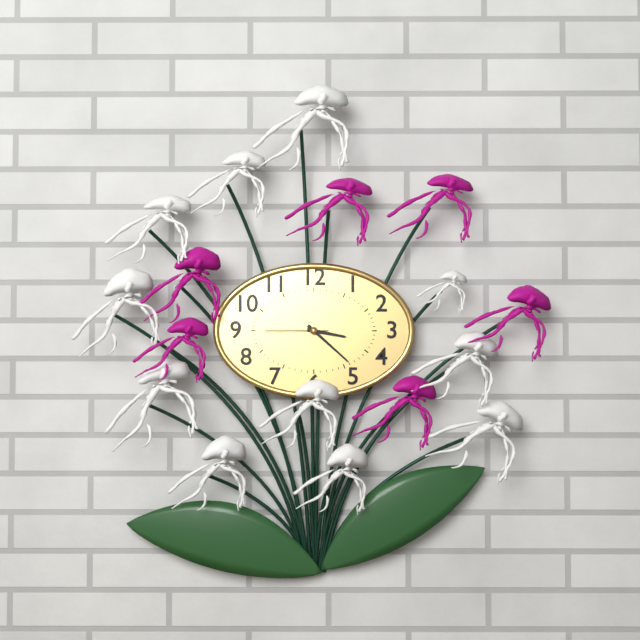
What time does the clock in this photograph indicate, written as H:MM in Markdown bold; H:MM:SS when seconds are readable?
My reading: **3:22:45**
